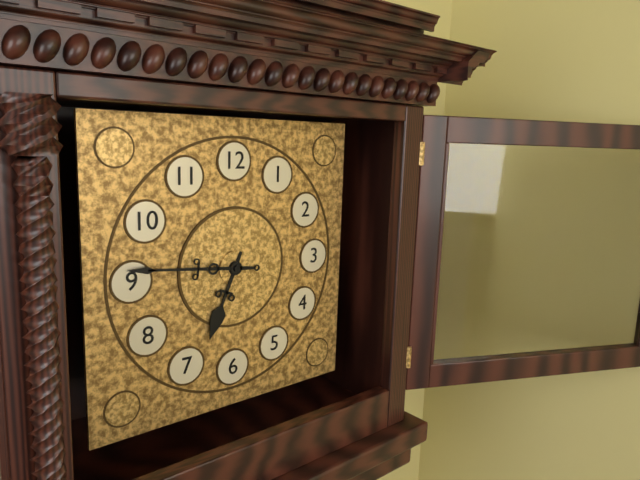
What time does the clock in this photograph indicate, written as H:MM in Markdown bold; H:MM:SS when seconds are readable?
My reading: **6:46**
